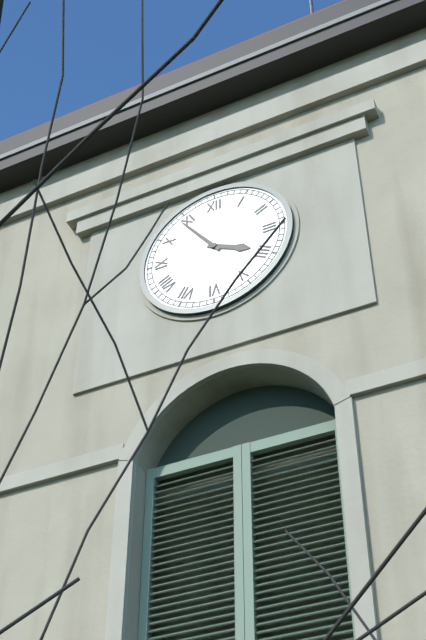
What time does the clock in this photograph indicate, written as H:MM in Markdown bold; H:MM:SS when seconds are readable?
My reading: **3:54**
